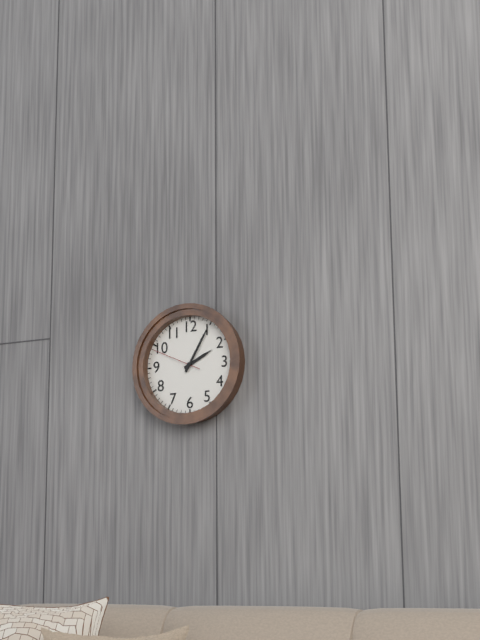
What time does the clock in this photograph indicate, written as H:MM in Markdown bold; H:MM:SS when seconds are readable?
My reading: **2:05**
